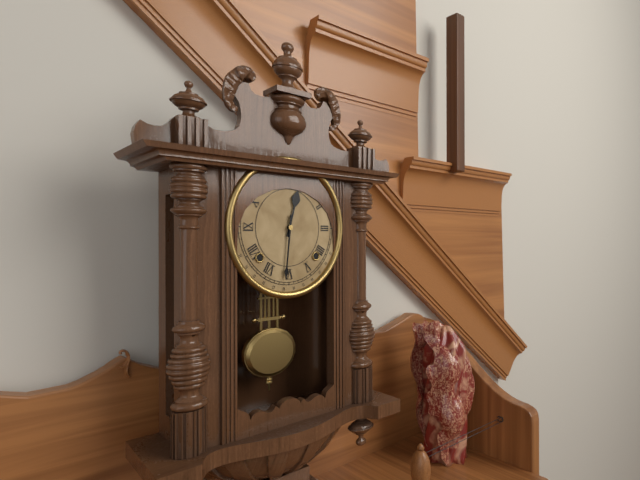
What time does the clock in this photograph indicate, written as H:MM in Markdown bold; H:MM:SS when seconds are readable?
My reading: **12:31**
